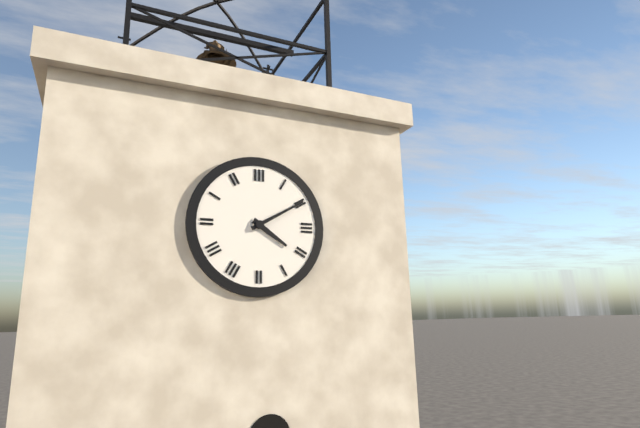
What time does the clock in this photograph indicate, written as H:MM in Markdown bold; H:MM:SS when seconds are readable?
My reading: **4:10**
